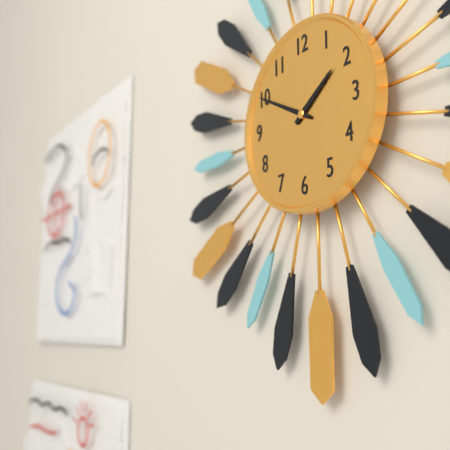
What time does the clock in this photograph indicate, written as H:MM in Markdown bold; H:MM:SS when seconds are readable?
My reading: **1:50**
